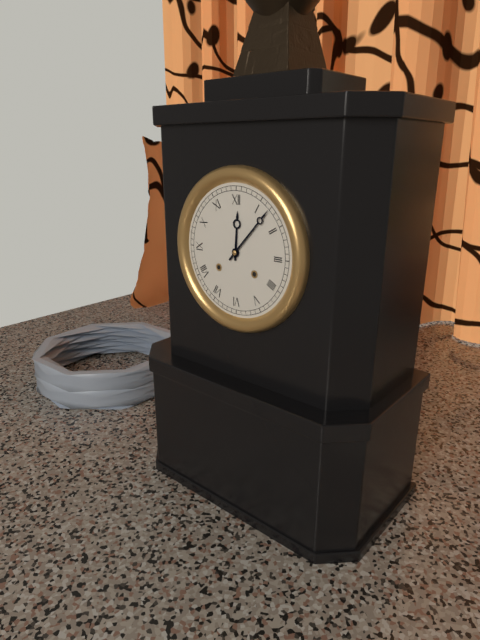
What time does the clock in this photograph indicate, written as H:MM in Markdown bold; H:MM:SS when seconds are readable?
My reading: **12:07**
